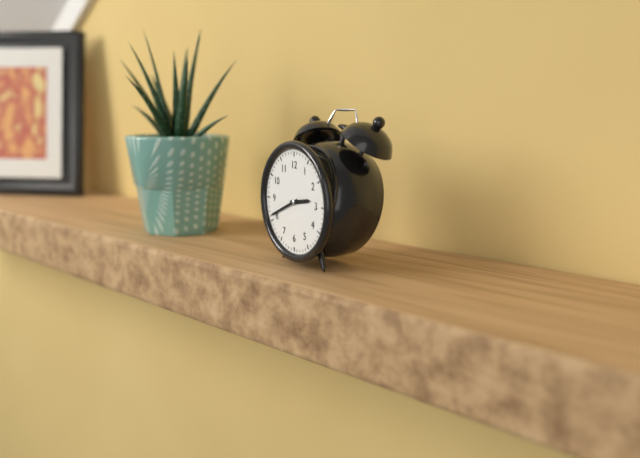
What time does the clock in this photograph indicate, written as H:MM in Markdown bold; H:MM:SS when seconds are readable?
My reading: **2:41**
